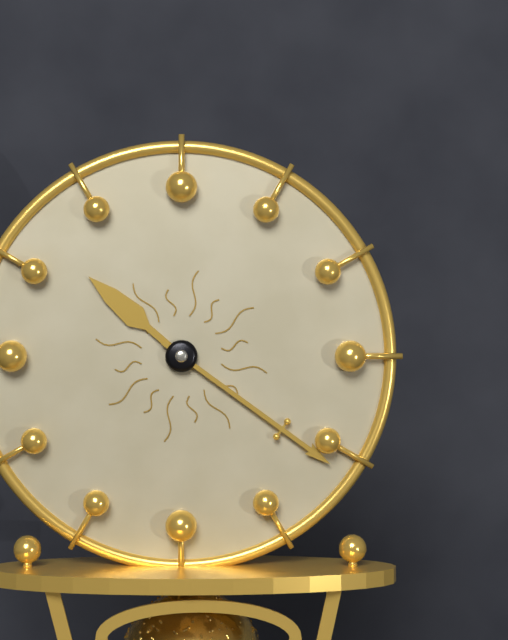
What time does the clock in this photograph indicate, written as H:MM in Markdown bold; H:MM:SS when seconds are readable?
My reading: **10:21**
